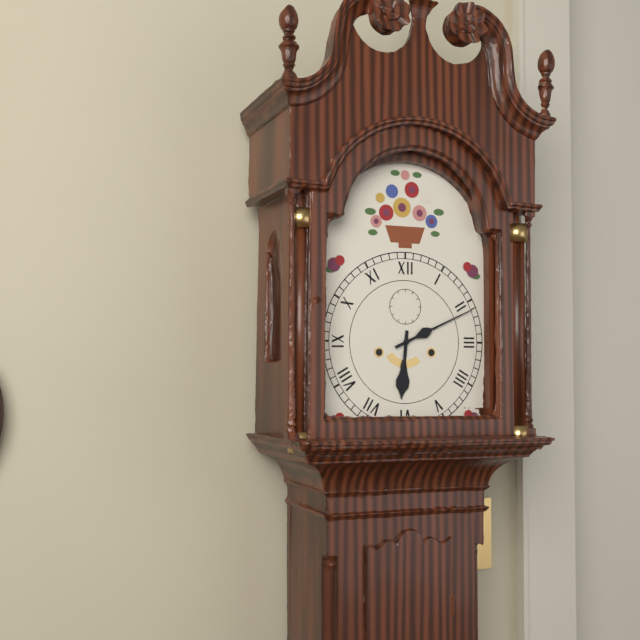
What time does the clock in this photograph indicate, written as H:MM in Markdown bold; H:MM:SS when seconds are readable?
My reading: **6:11**
